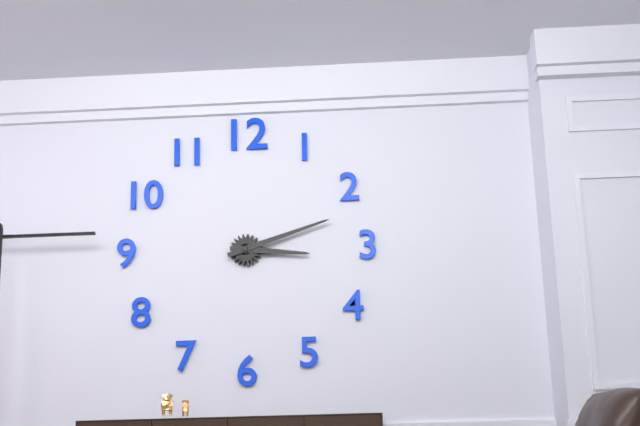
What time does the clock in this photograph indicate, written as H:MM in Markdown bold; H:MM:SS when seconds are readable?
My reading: **3:12**
